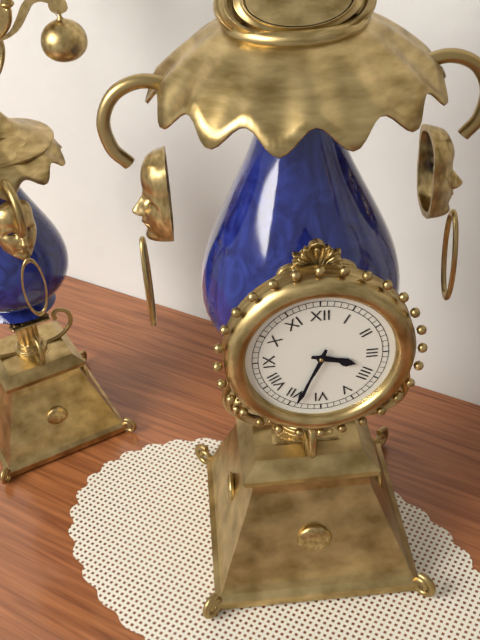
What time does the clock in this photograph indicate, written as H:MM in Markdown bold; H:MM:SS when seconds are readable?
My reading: **3:34**
